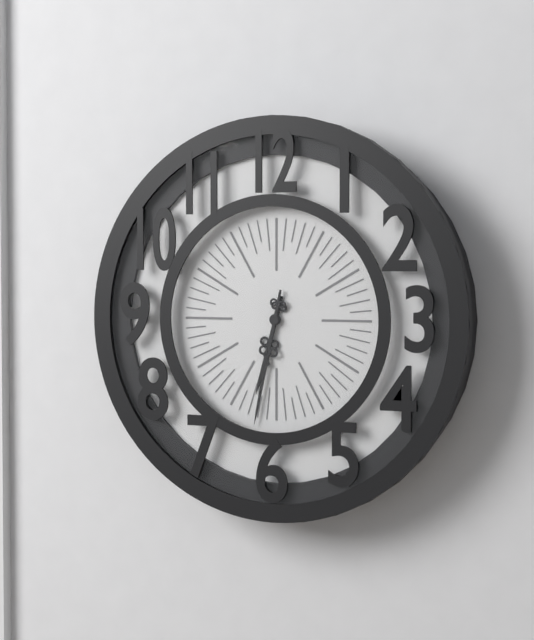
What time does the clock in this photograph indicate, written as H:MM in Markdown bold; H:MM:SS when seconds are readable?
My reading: **6:32**
